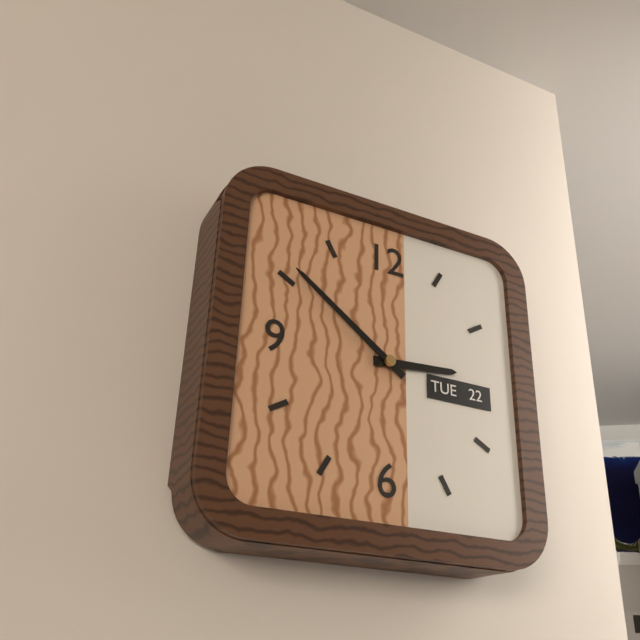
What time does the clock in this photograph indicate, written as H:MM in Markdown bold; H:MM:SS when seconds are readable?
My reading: **2:51**
